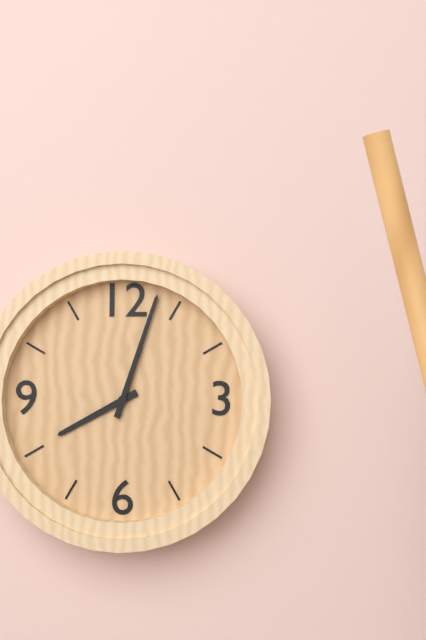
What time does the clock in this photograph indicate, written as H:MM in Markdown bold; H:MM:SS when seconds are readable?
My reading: **8:03**
